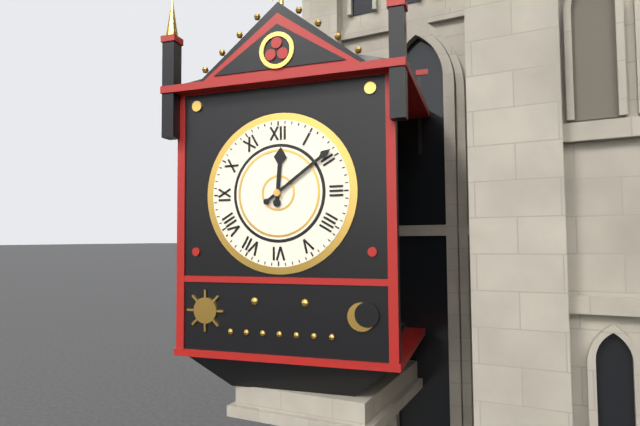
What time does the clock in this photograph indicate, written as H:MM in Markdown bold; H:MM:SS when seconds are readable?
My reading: **12:09**
